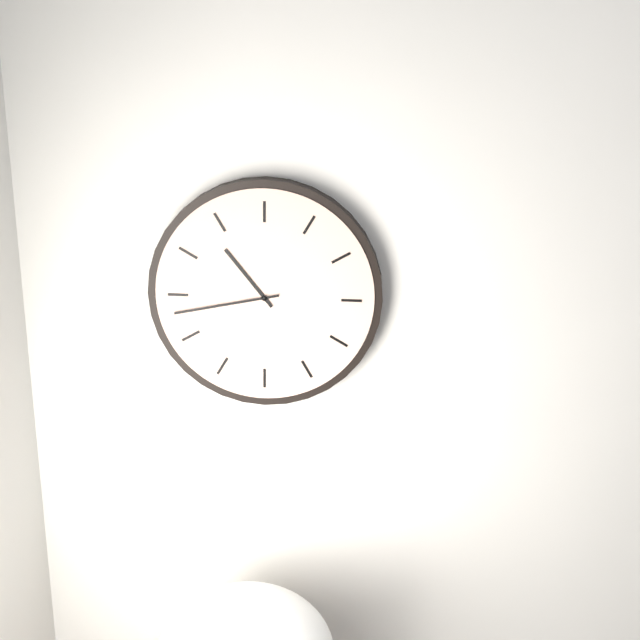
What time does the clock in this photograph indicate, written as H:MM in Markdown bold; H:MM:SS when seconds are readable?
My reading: **10:43**
